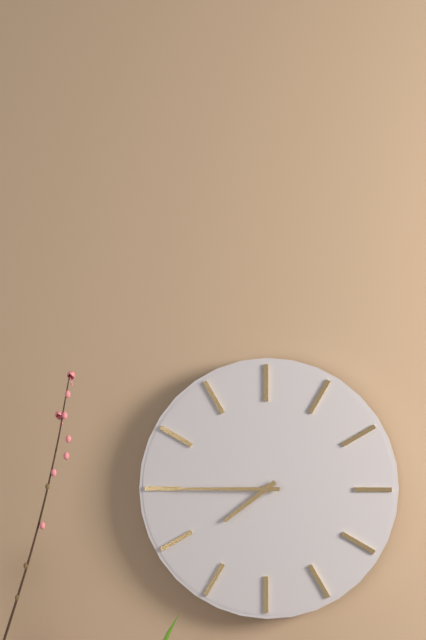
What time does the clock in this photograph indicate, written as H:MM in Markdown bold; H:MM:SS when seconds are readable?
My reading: **7:45**
